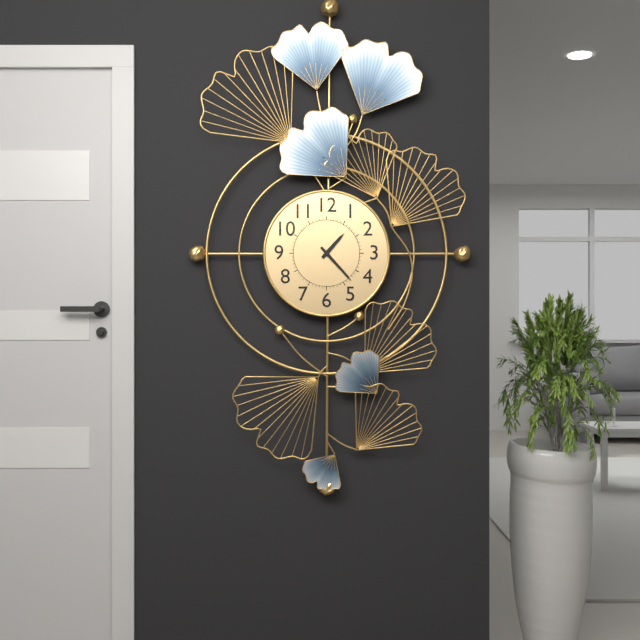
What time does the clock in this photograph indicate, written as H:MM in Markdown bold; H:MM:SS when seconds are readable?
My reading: **1:23**
